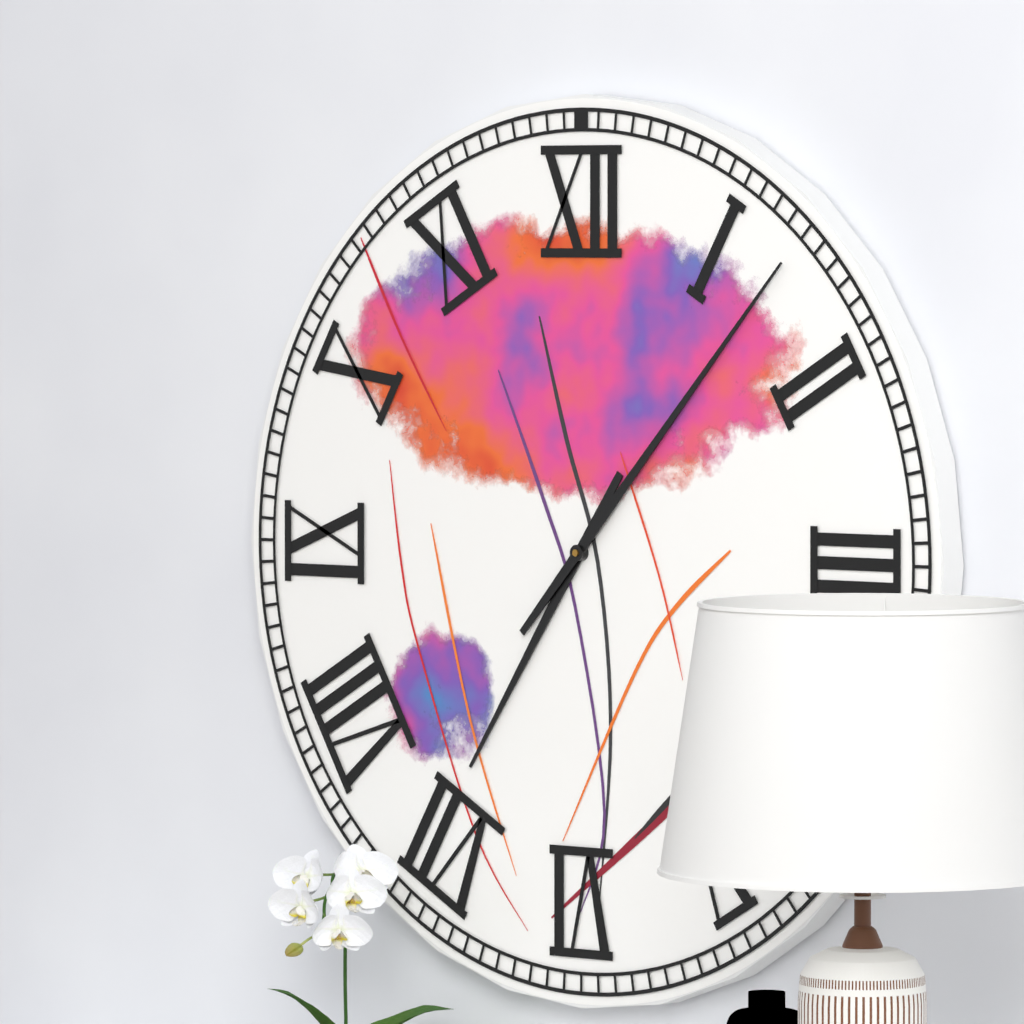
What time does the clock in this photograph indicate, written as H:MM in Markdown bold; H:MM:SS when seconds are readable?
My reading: **7:07**
